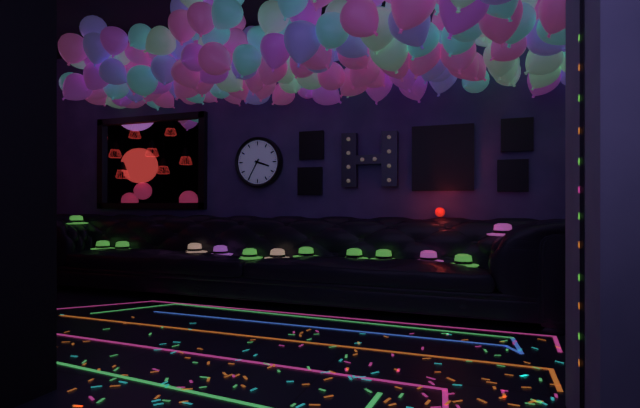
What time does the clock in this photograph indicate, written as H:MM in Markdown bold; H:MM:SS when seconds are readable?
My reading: **3:35**
